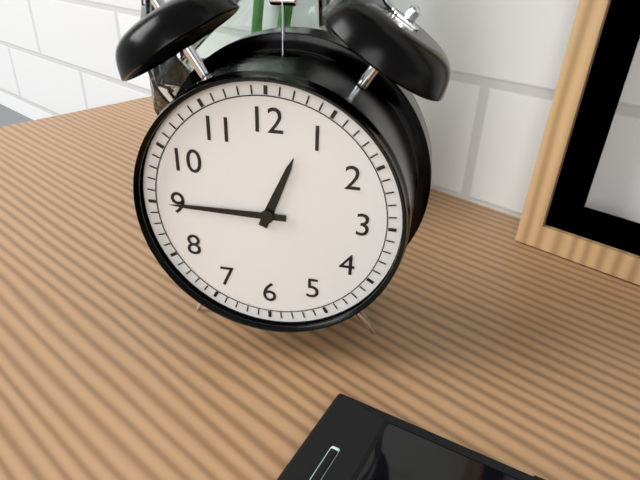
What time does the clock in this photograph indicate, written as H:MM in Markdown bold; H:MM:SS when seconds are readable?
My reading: **12:45**
